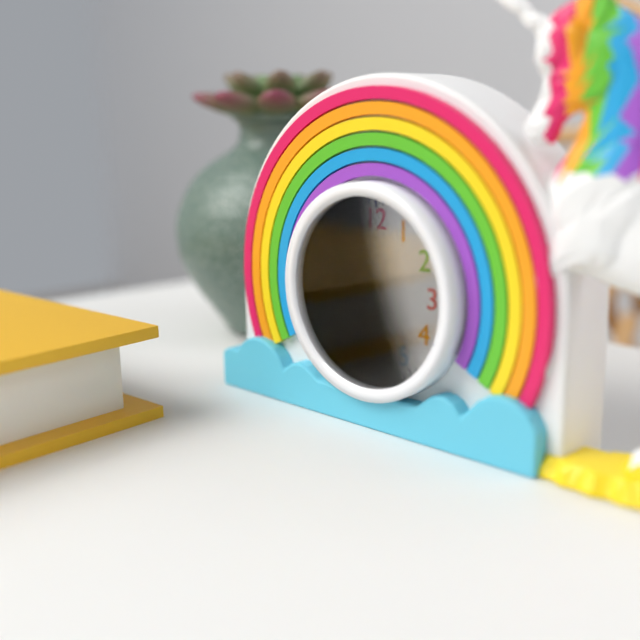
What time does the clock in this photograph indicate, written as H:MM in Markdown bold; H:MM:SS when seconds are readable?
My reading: **6:23**
